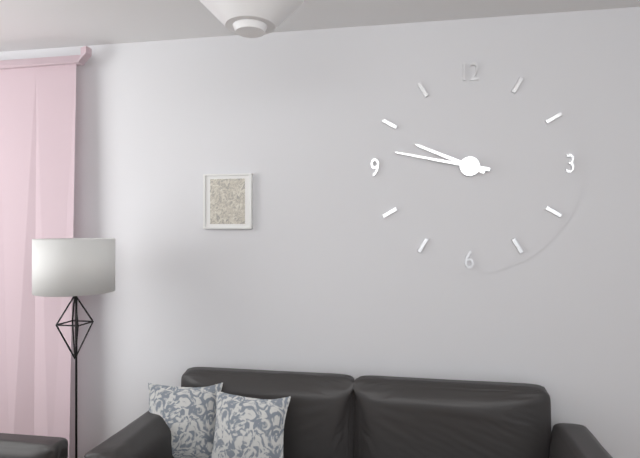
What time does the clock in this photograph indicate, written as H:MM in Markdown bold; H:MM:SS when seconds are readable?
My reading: **9:47**
